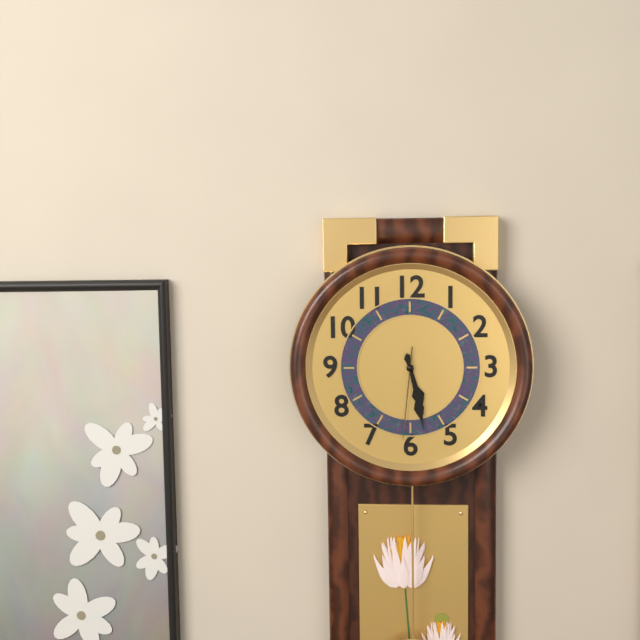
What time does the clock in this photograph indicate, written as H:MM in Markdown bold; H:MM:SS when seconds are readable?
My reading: **5:28:31**
